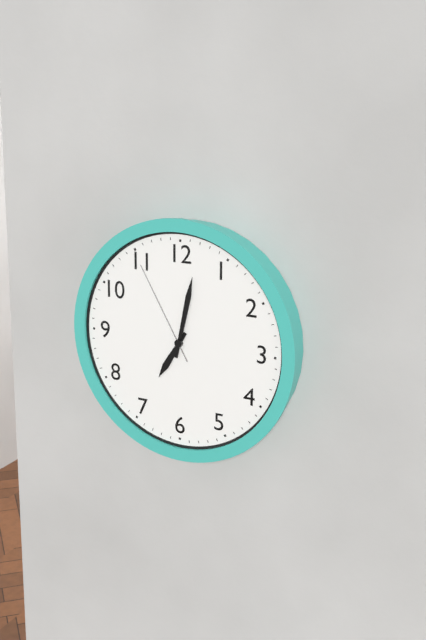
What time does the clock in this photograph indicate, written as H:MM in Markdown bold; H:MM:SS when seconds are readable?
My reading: **7:02:55**
